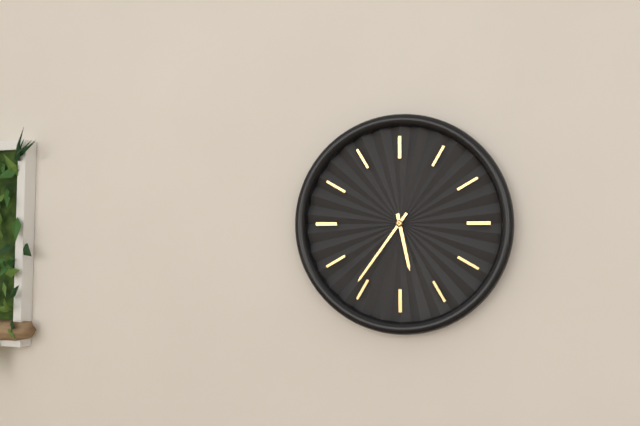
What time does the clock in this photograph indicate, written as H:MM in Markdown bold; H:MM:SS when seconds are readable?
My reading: **5:36**
